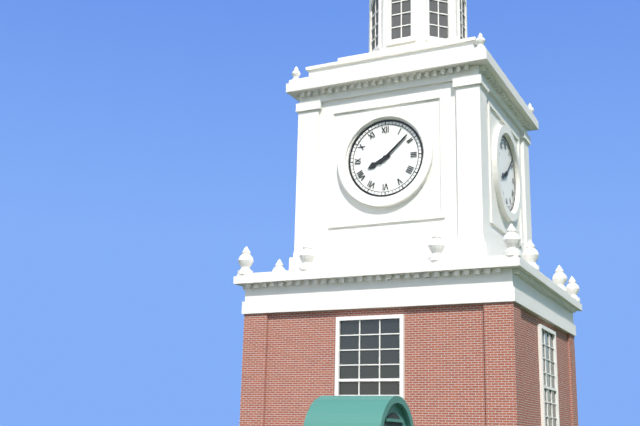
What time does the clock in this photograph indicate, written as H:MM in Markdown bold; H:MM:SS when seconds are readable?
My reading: **8:08**
